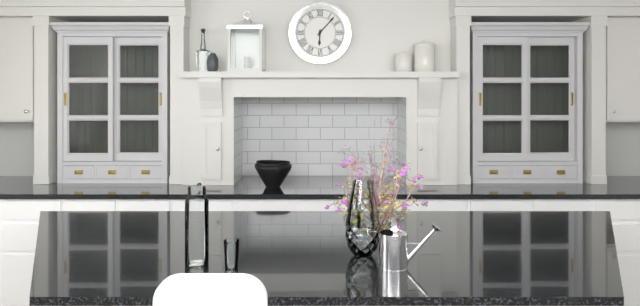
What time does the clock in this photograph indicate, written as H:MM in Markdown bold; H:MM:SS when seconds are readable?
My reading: **6:07**
